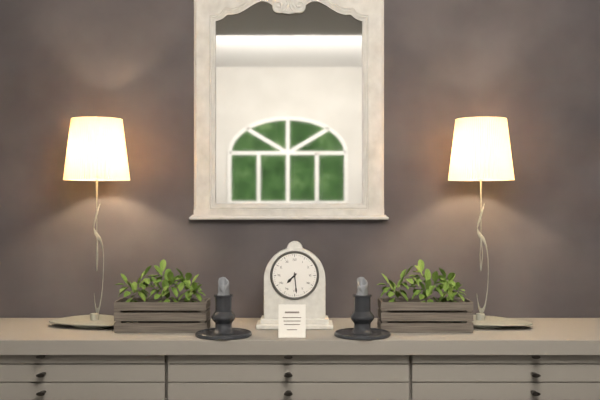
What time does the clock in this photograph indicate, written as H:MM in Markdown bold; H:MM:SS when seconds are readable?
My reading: **7:29**
